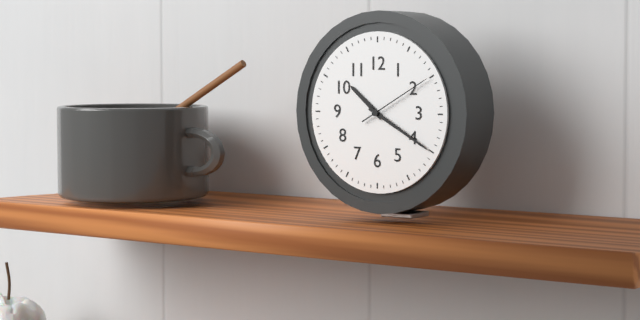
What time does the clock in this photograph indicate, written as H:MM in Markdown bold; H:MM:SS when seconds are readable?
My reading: **10:20:10**
